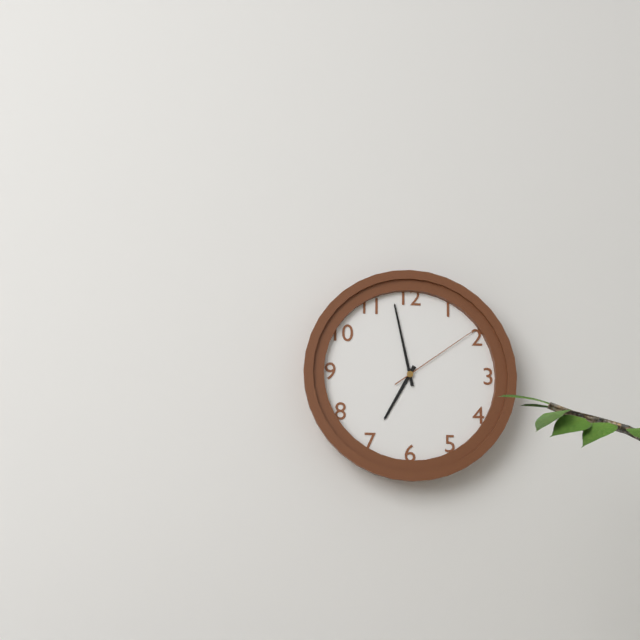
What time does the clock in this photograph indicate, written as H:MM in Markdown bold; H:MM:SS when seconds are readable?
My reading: **6:58:09**
